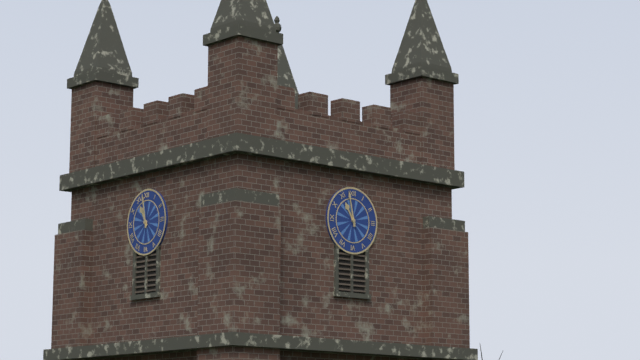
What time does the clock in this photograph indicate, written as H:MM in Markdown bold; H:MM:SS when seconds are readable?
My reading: **10:58**
